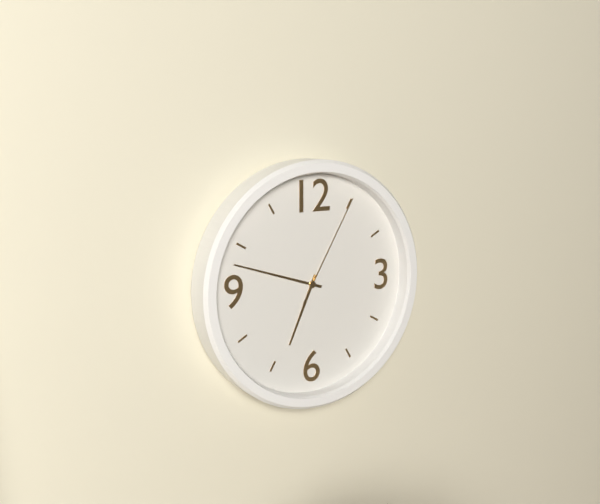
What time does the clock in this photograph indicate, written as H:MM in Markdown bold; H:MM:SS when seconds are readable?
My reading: **6:48:05**
